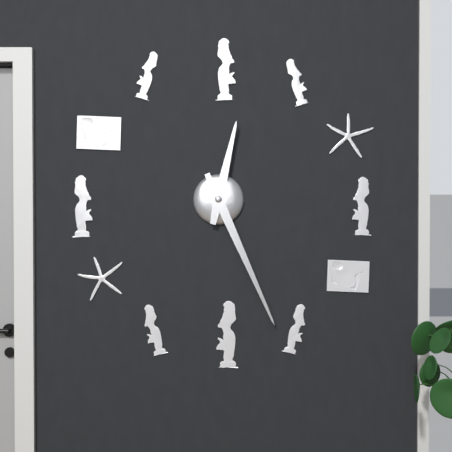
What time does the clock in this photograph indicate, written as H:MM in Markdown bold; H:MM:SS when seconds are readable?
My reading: **12:26**
